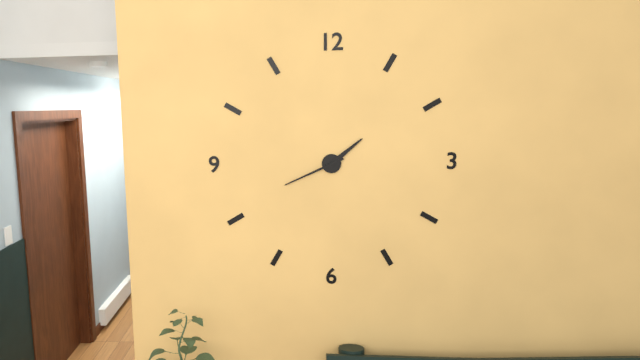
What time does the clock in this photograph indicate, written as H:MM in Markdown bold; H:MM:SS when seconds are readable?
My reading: **1:41**
